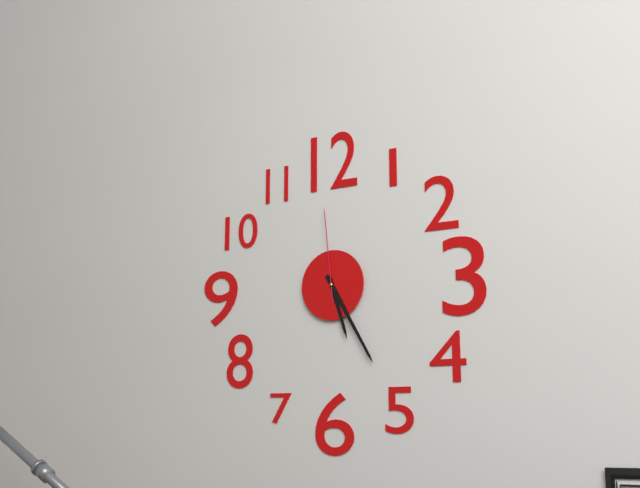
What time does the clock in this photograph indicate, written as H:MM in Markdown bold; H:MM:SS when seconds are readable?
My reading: **5:25:59**
